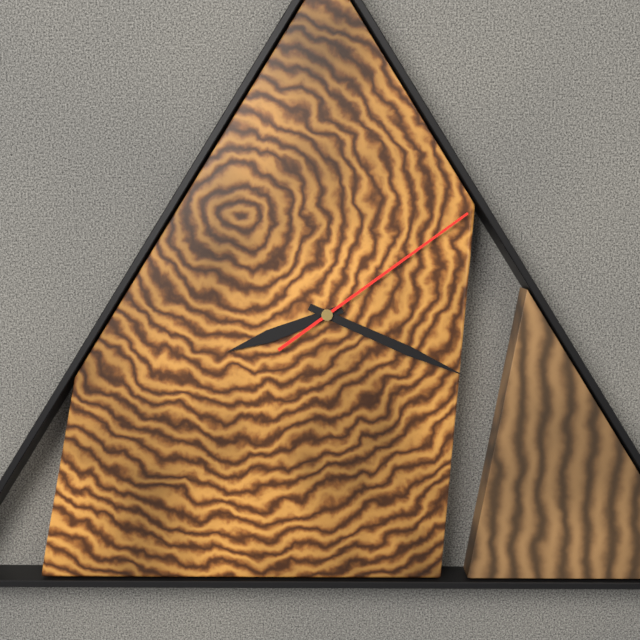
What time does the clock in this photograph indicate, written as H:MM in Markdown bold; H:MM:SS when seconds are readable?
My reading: **8:19:09**
